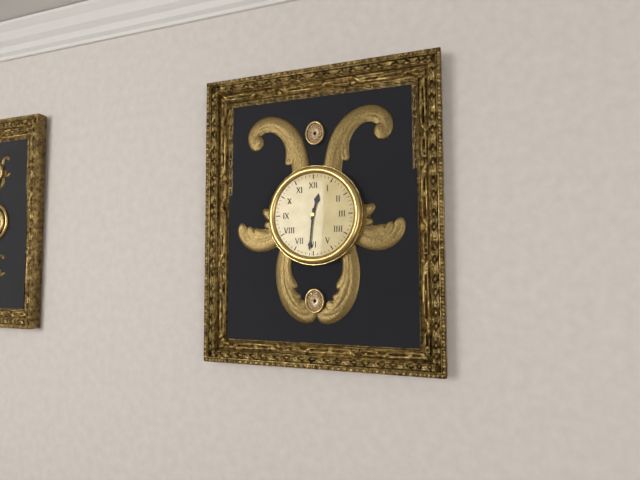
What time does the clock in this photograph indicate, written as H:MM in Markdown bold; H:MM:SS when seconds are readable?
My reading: **12:31**
